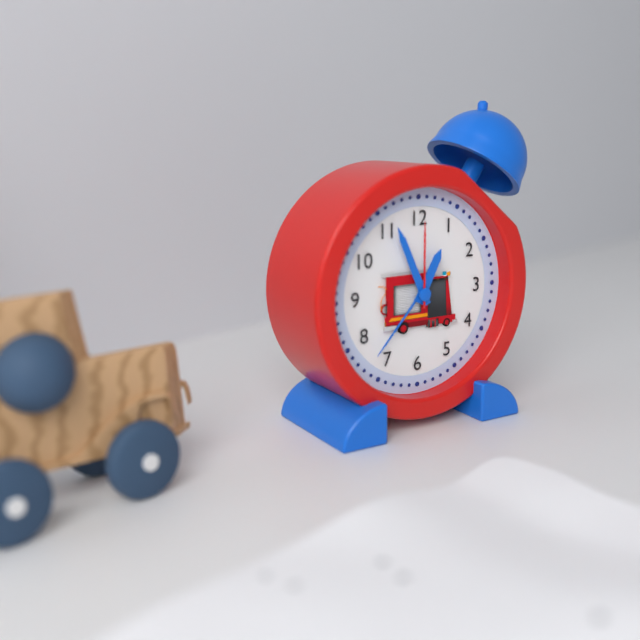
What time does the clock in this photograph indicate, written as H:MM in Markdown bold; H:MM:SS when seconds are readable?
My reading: **12:56:00**
